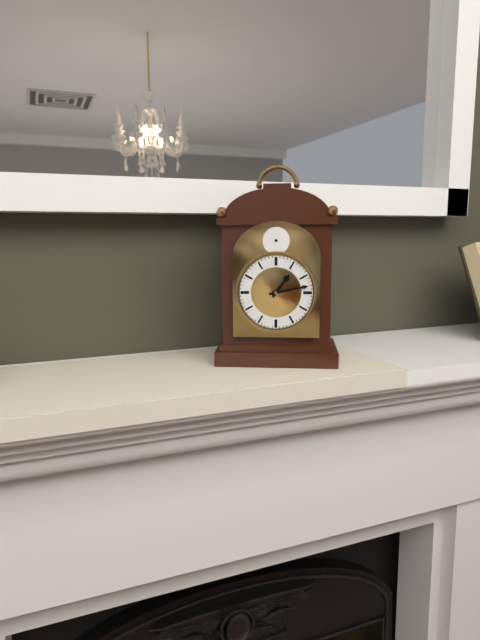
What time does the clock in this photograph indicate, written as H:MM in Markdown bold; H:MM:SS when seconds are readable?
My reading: **1:13**
